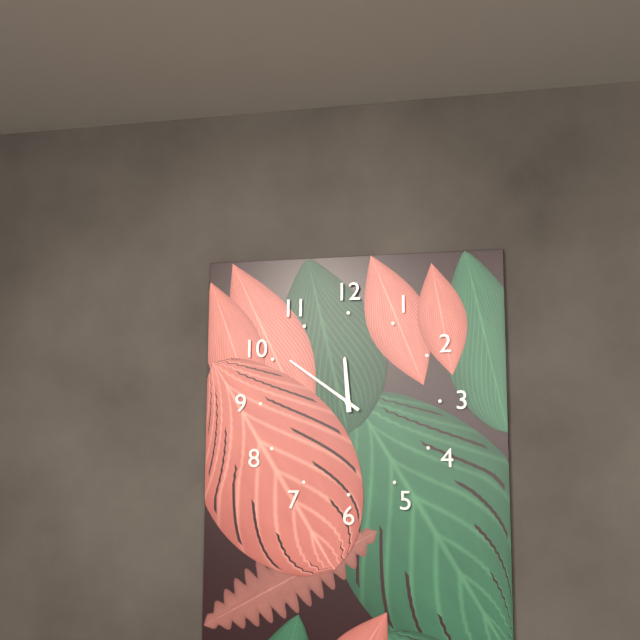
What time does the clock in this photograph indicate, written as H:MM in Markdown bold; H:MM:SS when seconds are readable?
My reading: **11:51**
